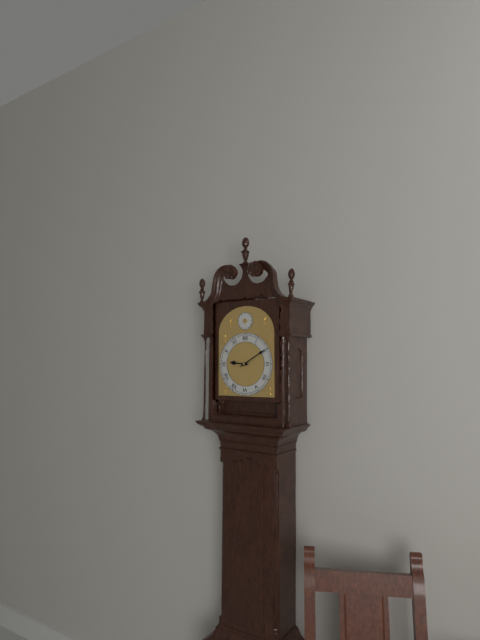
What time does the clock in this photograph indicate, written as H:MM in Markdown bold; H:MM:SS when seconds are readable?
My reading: **9:10**
